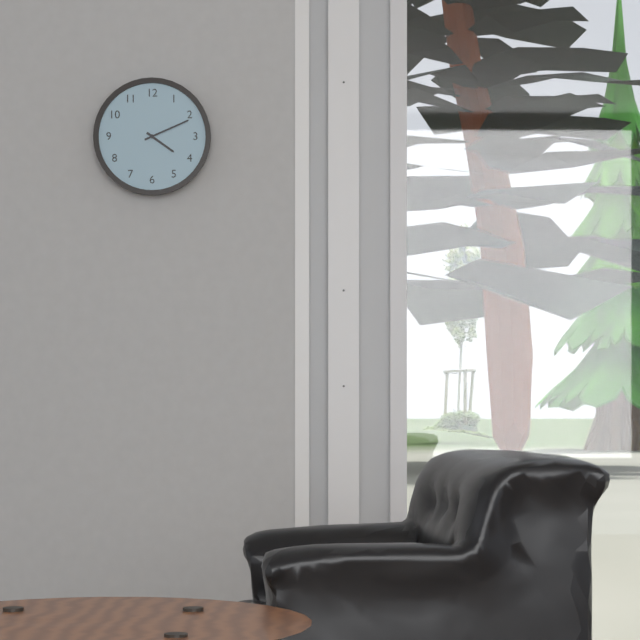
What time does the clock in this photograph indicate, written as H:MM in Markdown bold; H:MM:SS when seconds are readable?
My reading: **4:11**
